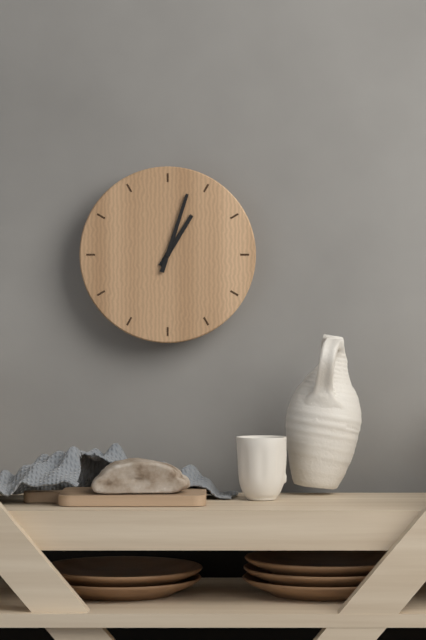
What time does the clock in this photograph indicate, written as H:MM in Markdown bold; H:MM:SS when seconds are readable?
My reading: **1:03**
